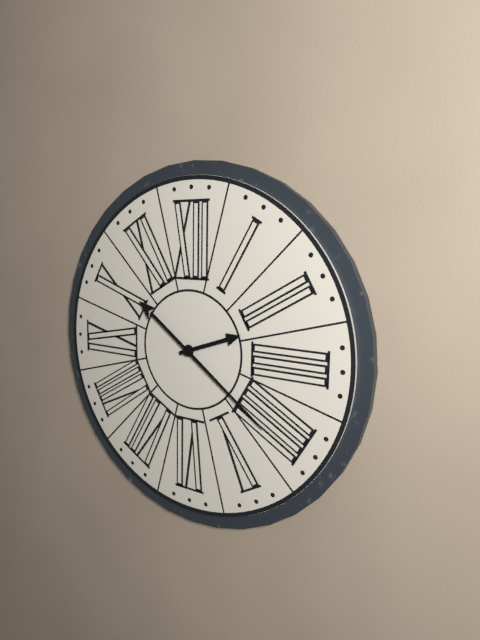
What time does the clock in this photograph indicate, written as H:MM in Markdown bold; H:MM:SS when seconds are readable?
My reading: **2:21**
